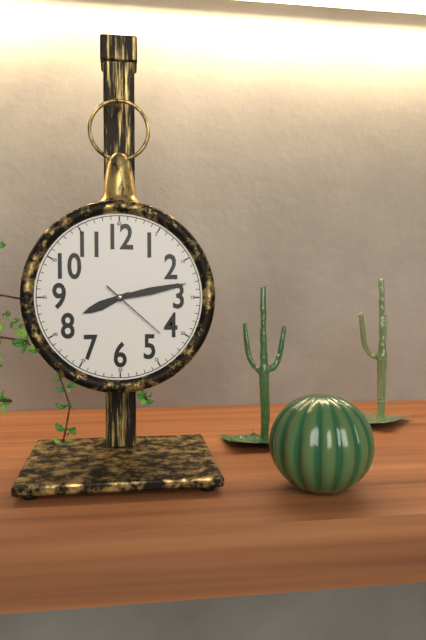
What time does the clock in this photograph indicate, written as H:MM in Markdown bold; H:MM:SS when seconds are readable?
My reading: **8:13:22**
